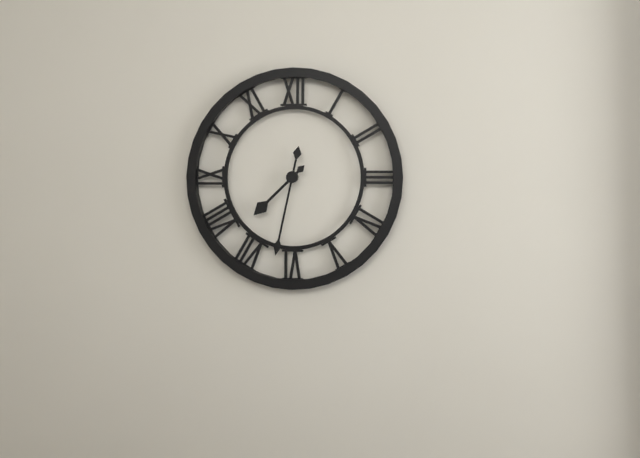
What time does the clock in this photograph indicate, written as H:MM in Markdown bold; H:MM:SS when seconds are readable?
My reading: **7:32**
